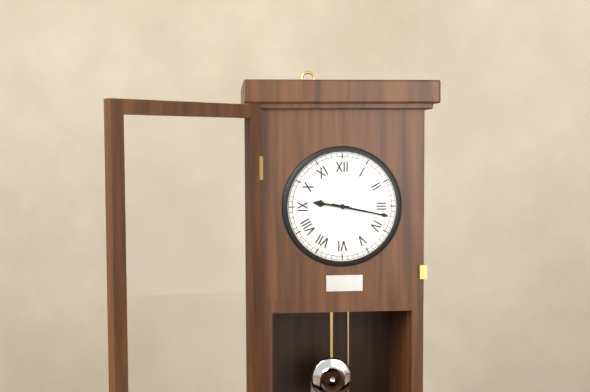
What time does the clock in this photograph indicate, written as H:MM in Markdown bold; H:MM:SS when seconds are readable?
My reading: **9:17**
